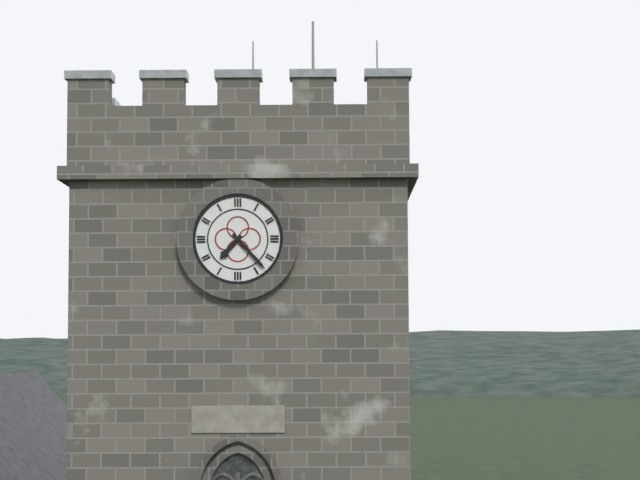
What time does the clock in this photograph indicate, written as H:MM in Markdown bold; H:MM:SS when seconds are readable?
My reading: **7:23**
